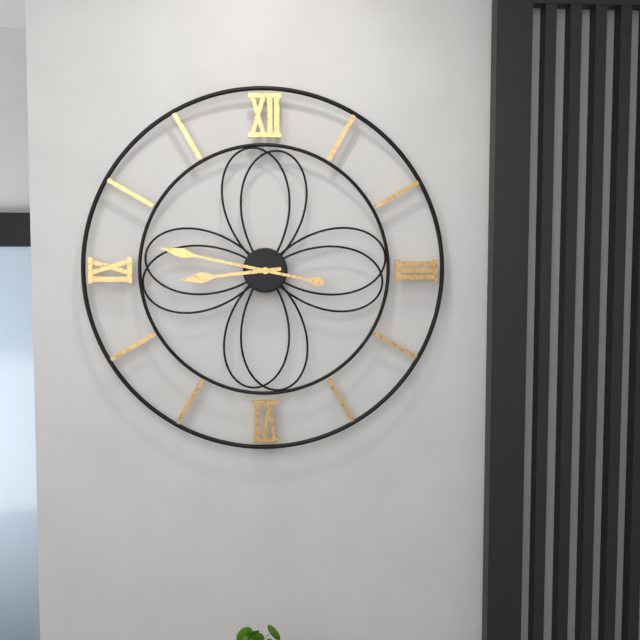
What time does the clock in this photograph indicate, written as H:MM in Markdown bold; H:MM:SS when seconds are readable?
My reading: **8:47**
